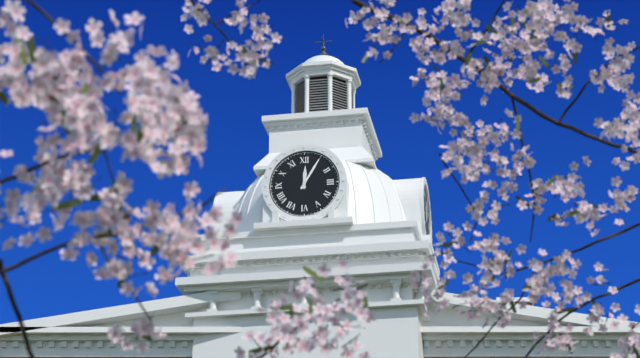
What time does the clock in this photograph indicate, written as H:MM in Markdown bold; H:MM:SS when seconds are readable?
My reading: **12:05**
